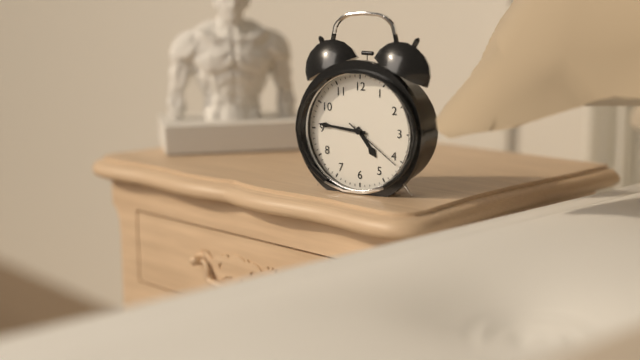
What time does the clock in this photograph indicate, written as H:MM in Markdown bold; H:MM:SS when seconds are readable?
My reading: **4:46:21**
